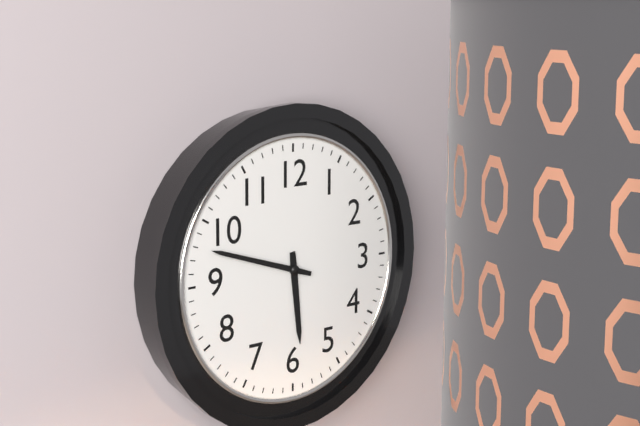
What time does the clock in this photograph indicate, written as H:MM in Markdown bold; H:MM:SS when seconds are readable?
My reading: **5:48**
